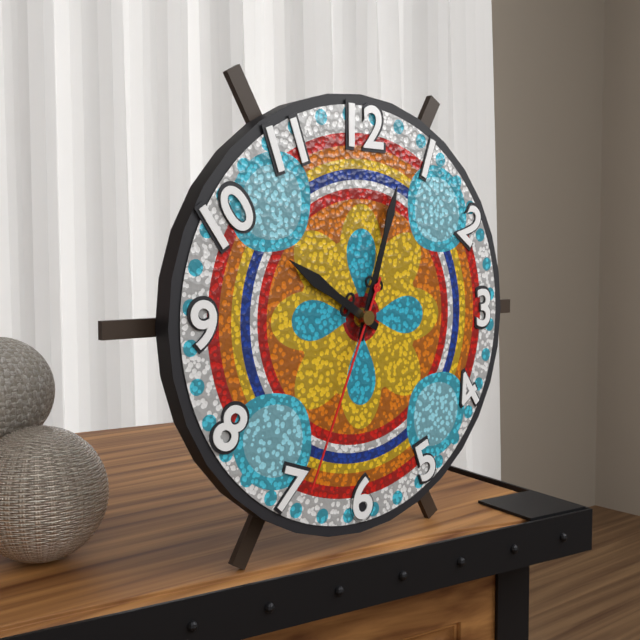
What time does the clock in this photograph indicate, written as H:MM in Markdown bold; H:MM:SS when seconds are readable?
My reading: **10:03:34**
